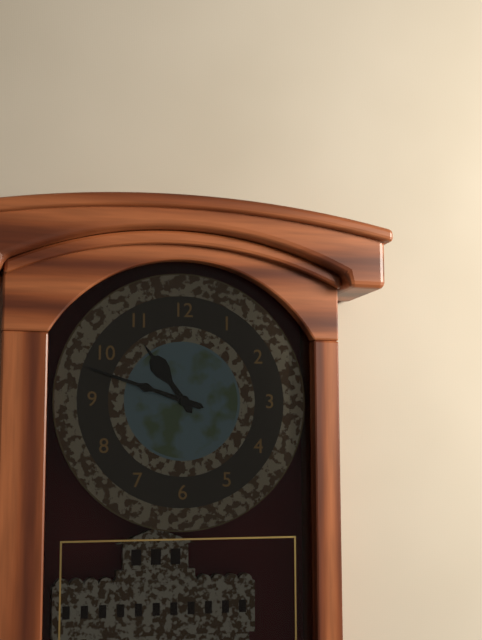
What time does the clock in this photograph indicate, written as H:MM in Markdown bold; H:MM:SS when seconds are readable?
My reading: **10:48**
